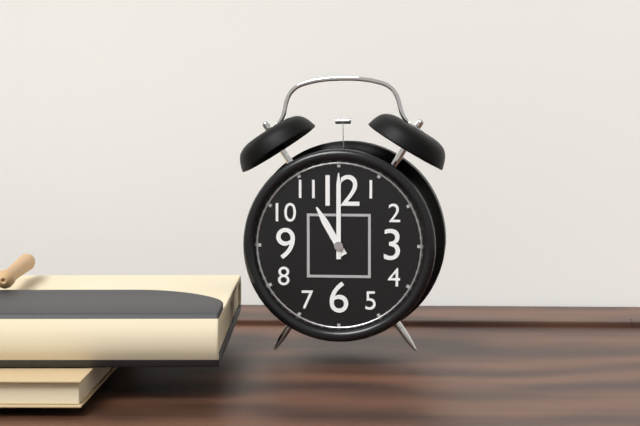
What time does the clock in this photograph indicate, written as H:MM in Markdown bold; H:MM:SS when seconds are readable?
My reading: **11:00**
